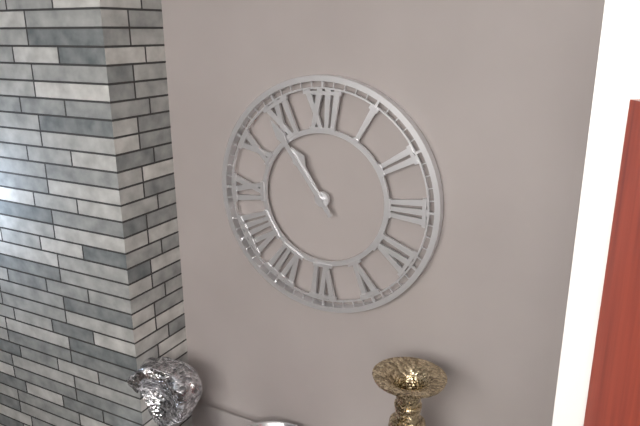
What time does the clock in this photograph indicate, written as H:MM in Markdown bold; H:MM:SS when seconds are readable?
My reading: **10:54**
